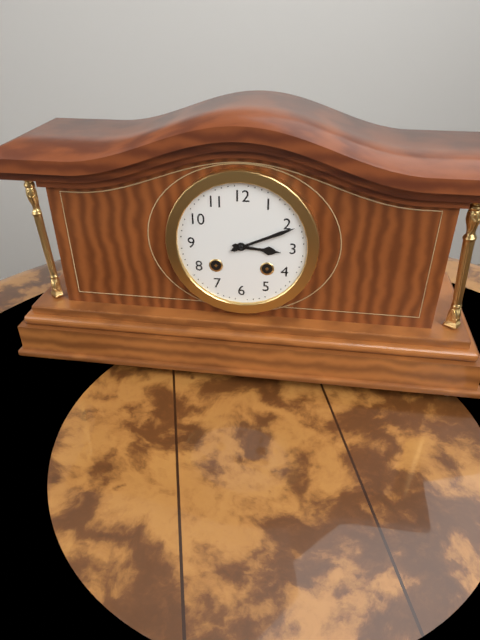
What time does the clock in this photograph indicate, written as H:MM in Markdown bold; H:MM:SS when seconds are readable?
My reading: **3:11**
